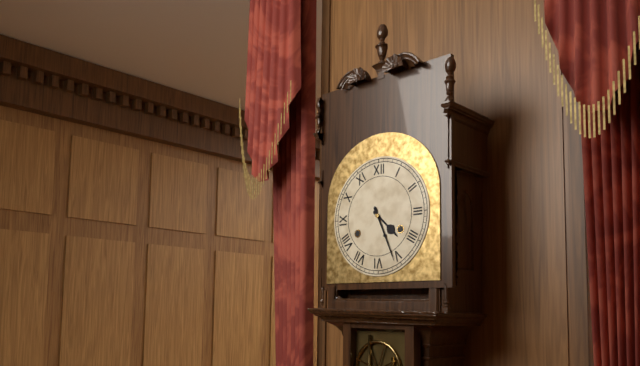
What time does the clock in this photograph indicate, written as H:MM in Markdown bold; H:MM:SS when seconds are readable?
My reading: **4:26**
